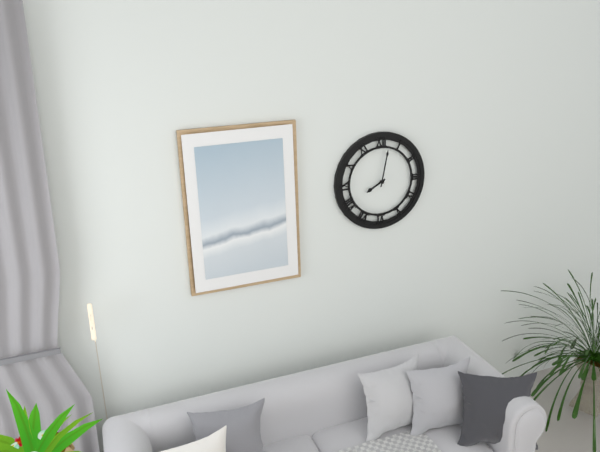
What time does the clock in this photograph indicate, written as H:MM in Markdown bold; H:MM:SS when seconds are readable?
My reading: **8:02**
